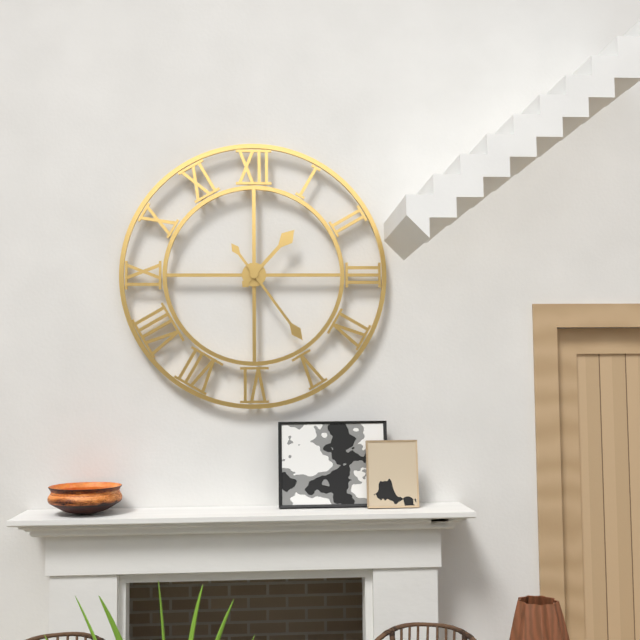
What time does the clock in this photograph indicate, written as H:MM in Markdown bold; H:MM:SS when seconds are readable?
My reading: **1:24**
